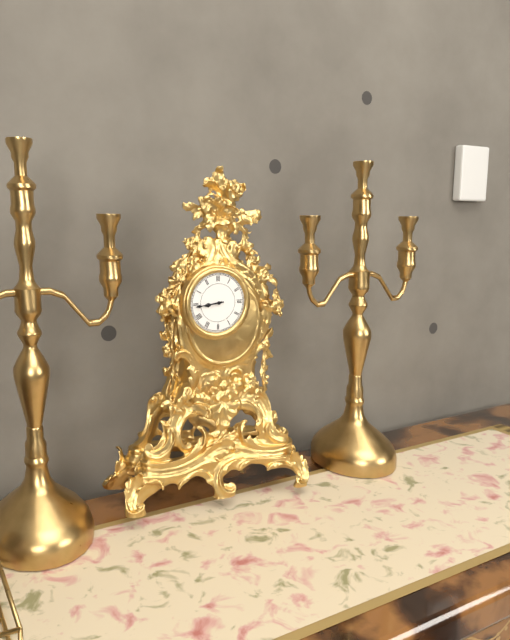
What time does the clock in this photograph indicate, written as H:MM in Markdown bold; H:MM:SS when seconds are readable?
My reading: **8:44**
